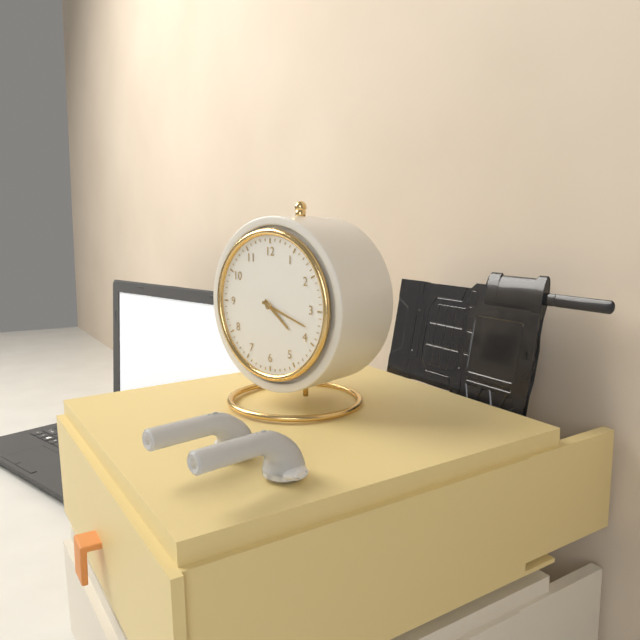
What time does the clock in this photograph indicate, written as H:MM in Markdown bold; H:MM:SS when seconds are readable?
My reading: **4:18**
